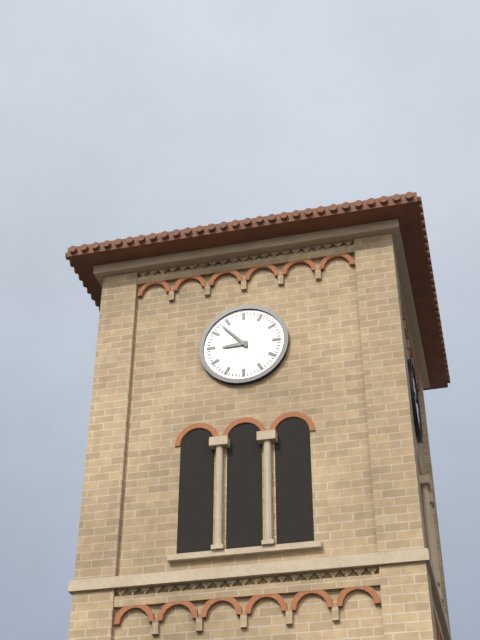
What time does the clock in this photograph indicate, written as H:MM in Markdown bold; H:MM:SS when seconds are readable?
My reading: **8:53**
